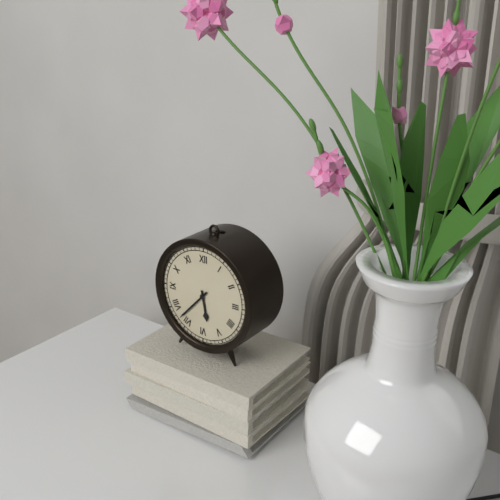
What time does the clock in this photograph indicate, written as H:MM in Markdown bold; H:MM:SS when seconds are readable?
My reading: **5:37**
